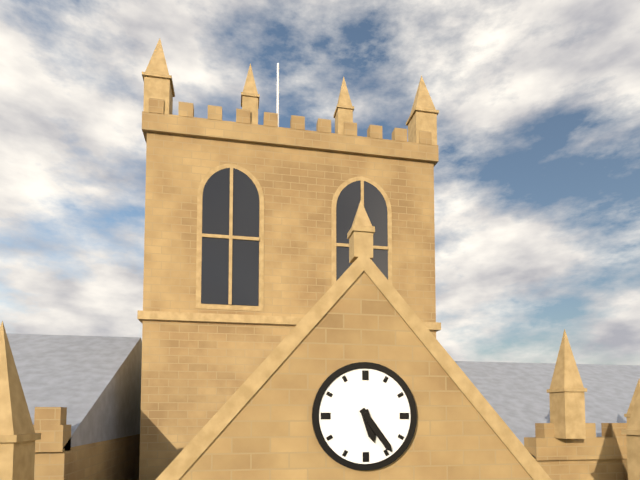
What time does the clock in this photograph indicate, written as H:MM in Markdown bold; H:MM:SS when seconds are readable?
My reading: **5:24**
